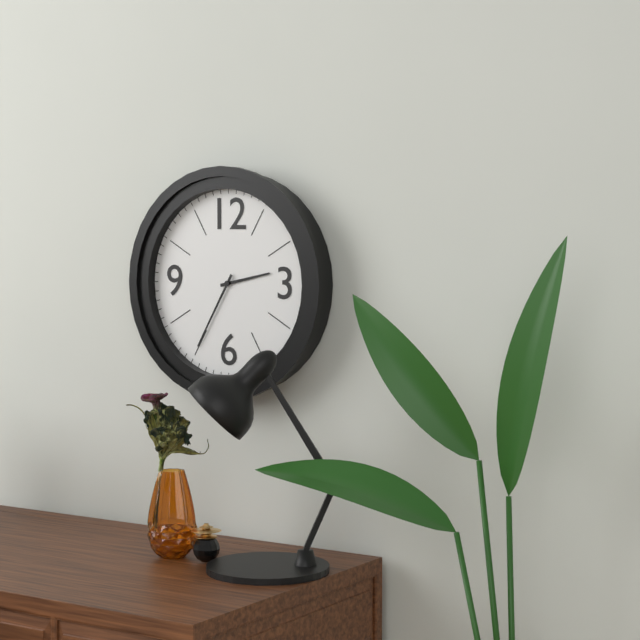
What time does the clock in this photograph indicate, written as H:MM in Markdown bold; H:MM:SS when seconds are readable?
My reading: **2:35**
